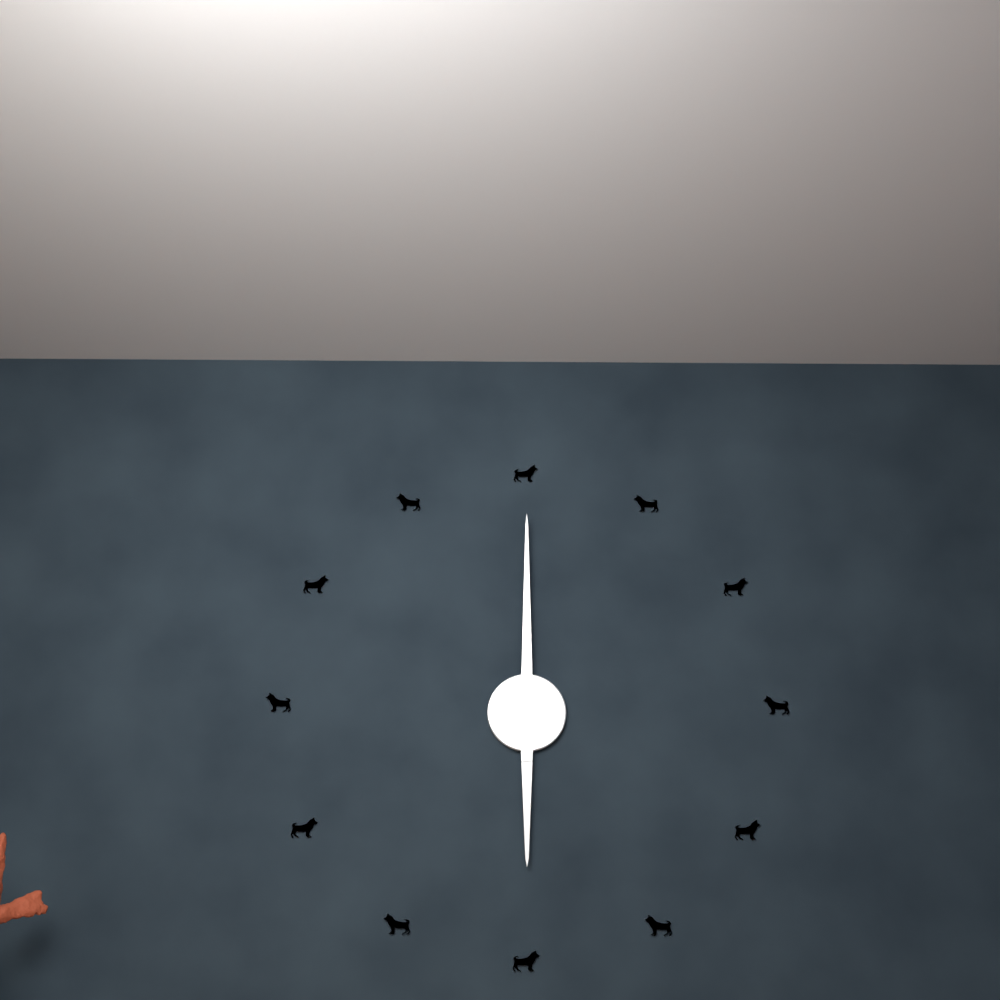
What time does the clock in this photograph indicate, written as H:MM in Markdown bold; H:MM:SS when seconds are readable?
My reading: **6:00**
